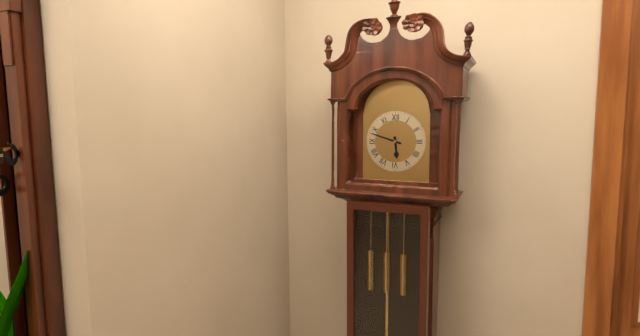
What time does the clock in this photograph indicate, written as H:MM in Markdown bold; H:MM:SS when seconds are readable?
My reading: **5:48**
